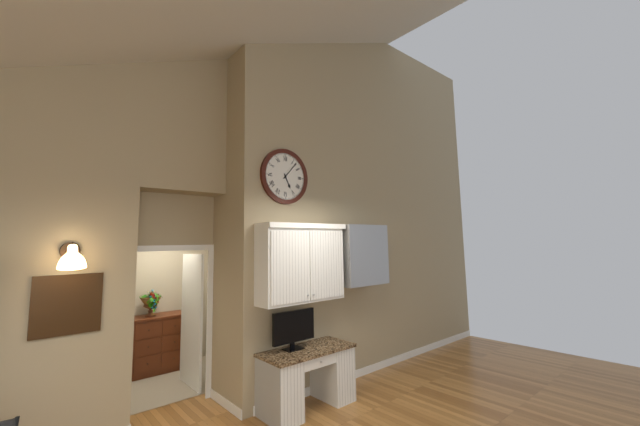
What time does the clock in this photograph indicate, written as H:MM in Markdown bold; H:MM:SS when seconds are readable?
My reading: **5:07**
